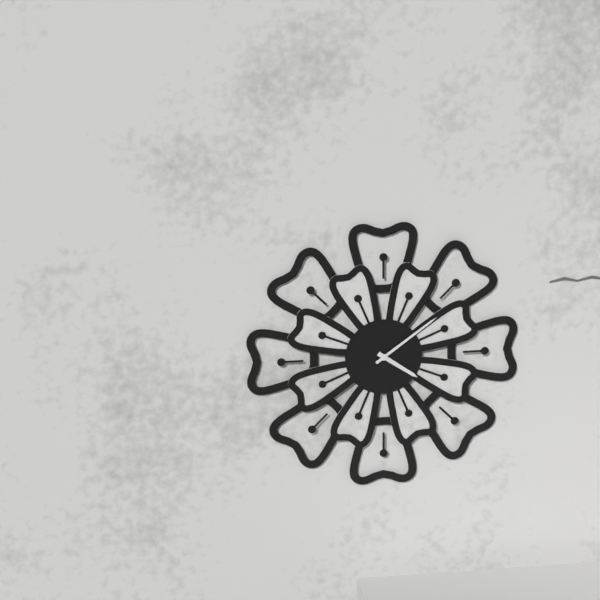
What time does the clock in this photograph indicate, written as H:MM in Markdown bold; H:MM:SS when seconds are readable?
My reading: **4:09**
